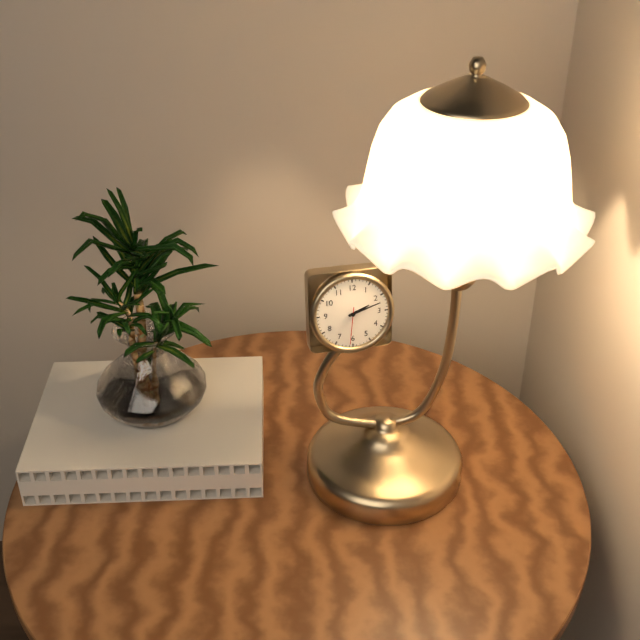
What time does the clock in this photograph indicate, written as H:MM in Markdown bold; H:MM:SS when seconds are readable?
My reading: **2:12**
